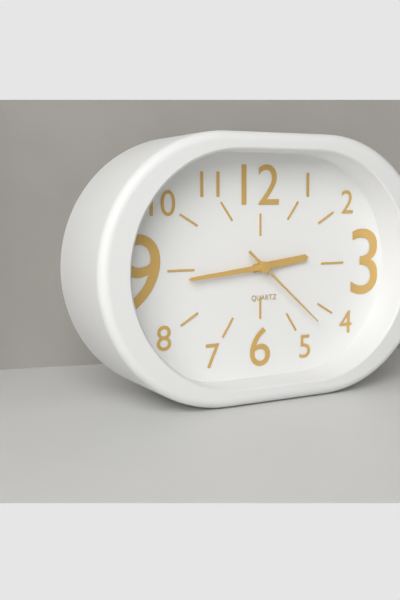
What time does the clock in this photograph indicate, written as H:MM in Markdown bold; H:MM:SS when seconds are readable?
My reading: **2:44:22**
